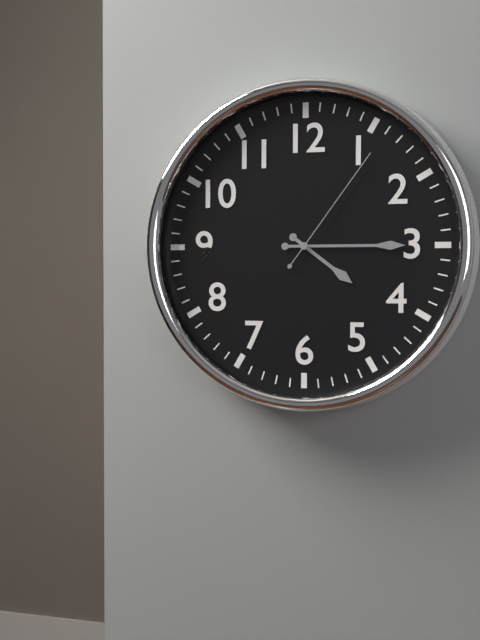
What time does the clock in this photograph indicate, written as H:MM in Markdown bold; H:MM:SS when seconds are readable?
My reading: **4:15:06**
